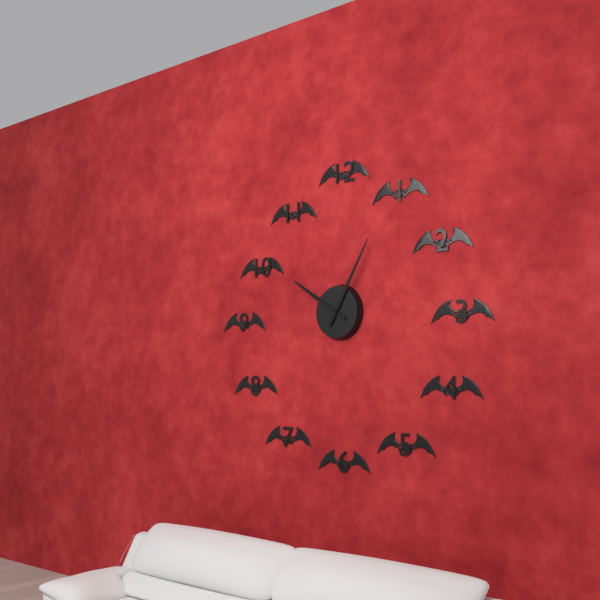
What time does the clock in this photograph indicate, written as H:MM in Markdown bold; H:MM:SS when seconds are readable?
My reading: **10:05**
